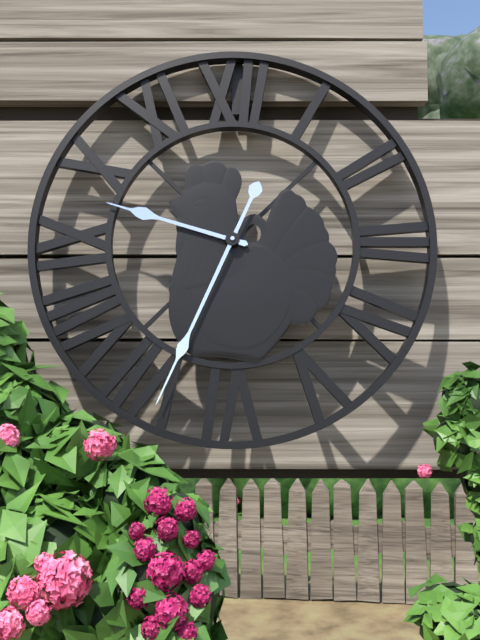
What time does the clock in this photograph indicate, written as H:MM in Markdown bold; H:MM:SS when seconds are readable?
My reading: **9:34**
